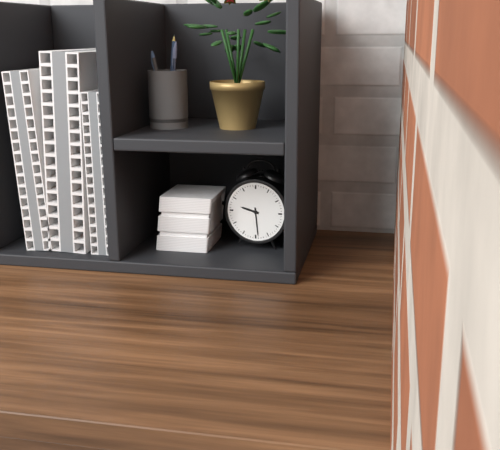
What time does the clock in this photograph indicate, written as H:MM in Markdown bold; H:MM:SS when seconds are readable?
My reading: **9:29**
